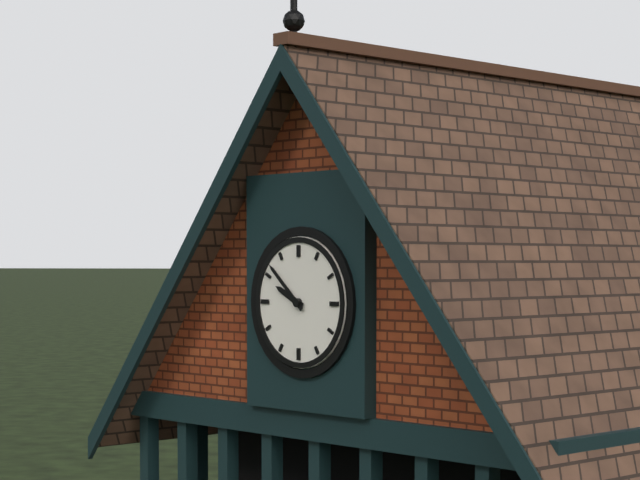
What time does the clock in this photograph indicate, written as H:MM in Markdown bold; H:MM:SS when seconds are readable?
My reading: **9:52**
